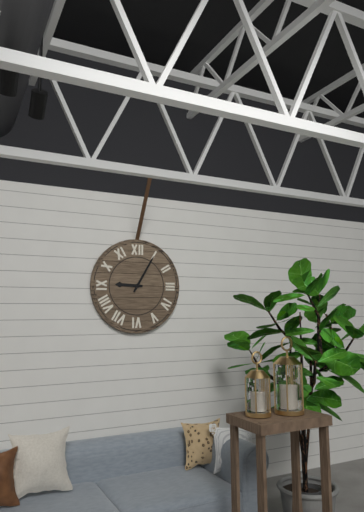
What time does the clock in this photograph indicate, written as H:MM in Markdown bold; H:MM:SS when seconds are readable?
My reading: **9:05**
